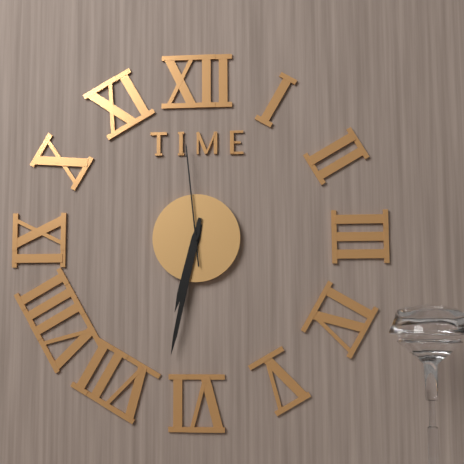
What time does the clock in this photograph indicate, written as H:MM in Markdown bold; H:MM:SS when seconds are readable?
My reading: **6:32:59**
